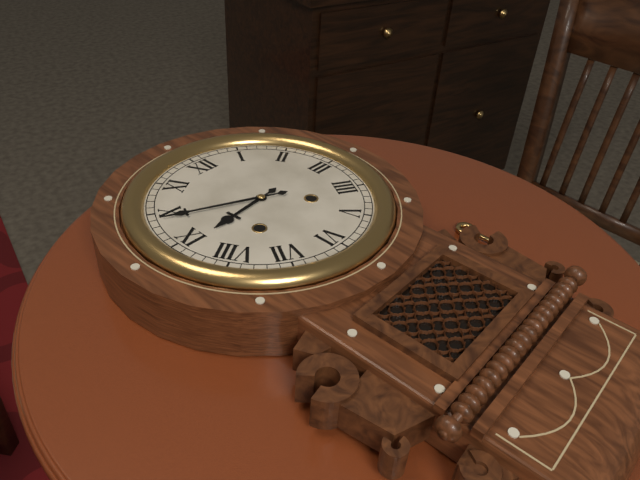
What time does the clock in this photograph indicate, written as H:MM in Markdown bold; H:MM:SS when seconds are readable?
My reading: **8:49**
